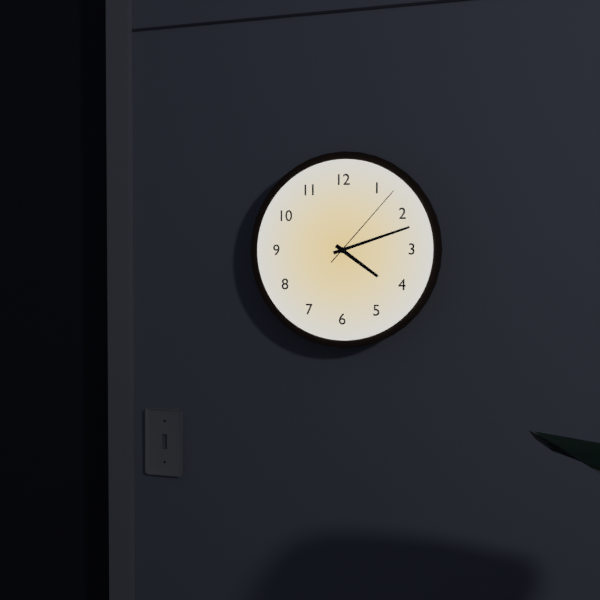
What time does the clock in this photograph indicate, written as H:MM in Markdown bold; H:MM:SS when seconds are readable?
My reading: **4:12:07**
